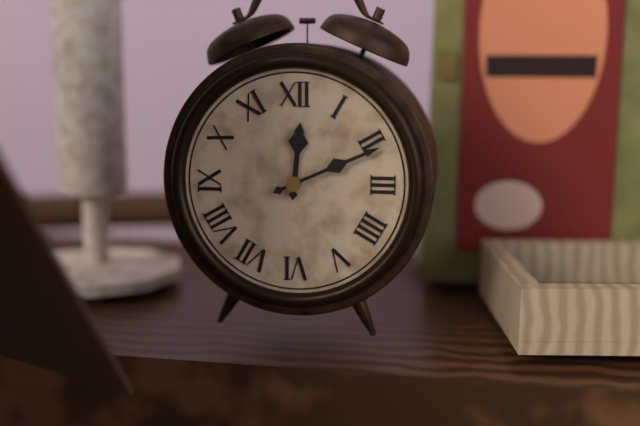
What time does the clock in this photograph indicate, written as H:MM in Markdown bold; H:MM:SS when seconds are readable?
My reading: **12:11**
